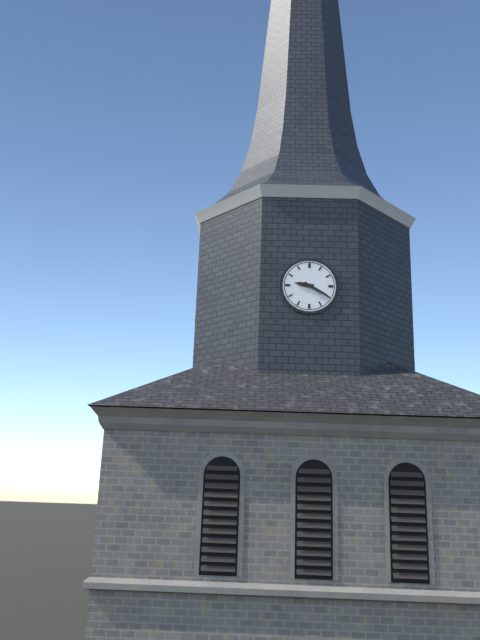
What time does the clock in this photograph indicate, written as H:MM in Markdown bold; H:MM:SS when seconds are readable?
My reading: **9:20**
